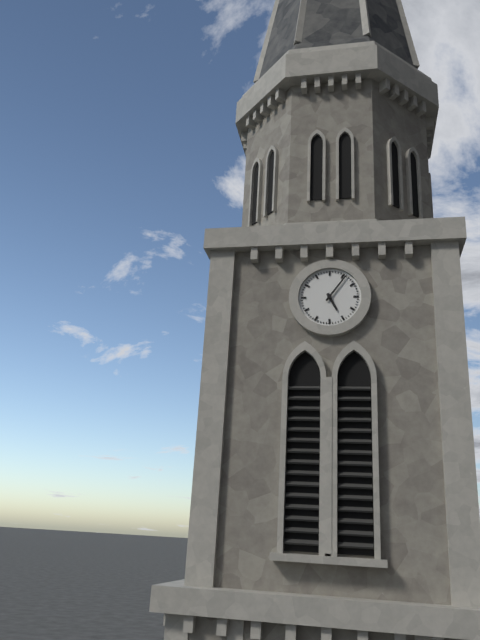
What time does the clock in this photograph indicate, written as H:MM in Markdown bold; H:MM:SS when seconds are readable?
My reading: **5:06**
